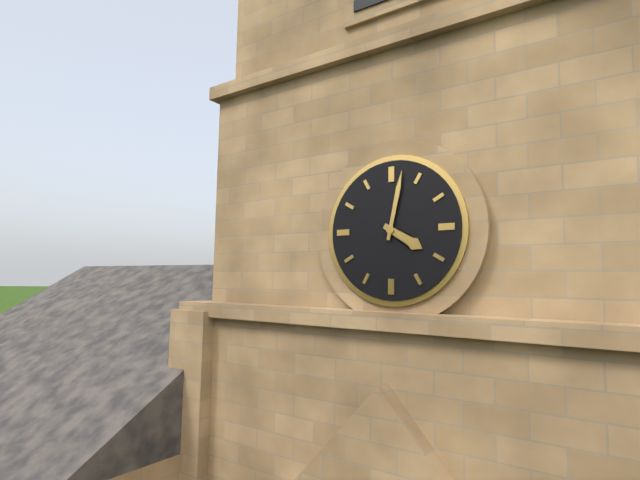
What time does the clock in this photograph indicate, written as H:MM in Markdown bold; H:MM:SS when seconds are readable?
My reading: **4:02**
